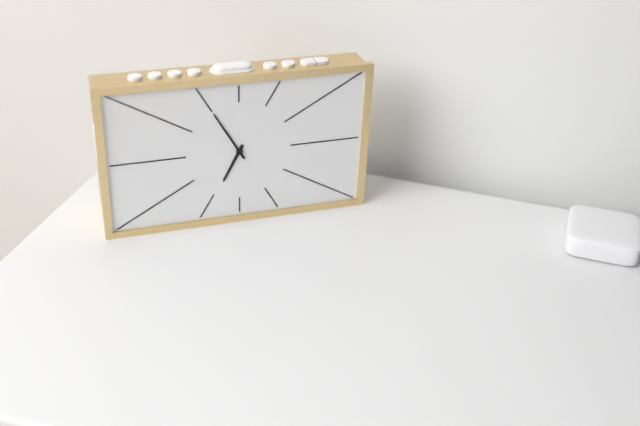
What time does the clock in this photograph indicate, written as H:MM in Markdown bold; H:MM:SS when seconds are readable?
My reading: **6:55**
